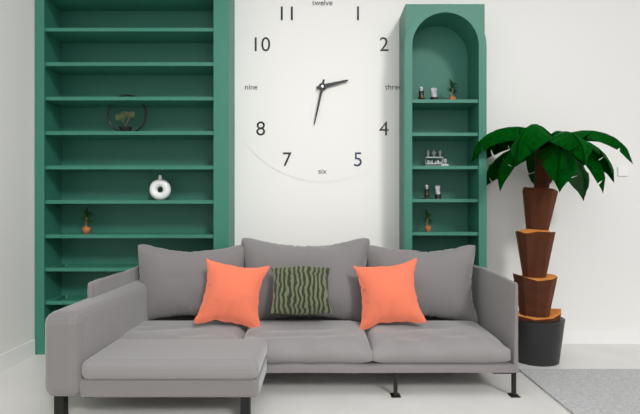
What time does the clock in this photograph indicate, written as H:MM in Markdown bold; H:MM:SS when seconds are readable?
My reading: **2:32**
